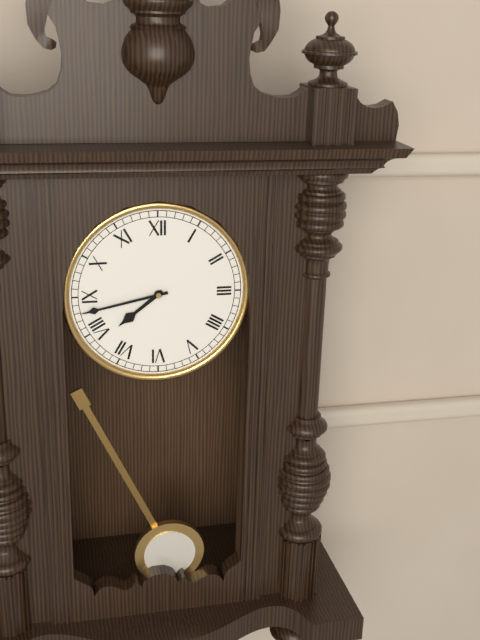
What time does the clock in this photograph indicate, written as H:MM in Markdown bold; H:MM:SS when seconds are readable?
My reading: **7:43**
